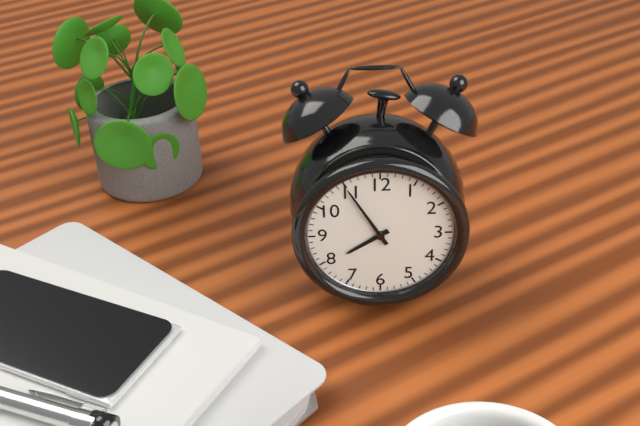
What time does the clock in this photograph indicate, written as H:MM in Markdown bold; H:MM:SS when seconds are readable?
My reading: **7:55**
